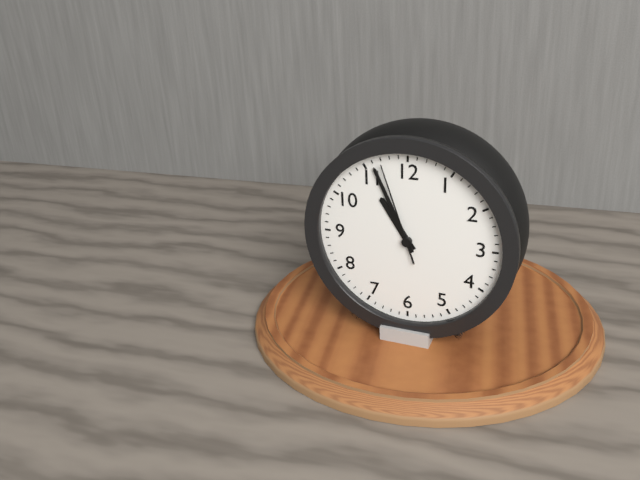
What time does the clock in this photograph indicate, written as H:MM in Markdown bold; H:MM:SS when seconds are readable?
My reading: **10:56:57**
